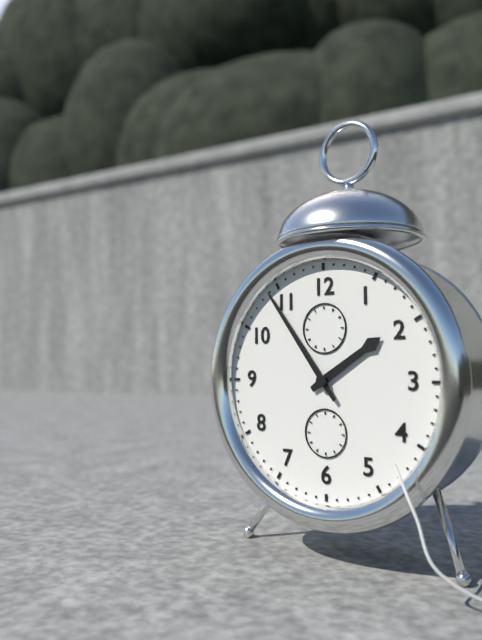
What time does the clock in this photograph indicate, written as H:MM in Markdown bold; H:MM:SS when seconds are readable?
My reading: **1:54**
